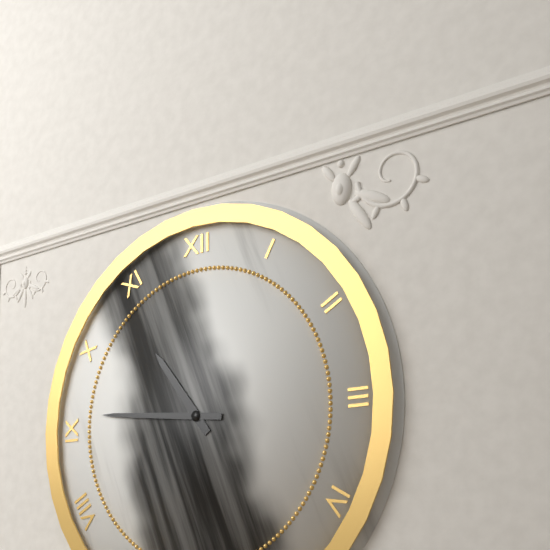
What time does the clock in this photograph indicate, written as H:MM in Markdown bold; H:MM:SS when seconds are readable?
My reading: **10:46**
